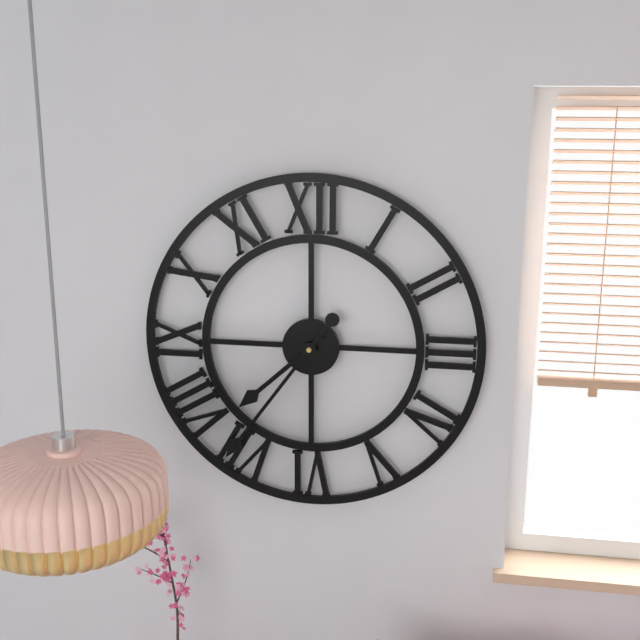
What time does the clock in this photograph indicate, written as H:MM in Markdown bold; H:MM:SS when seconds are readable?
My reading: **7:36**
